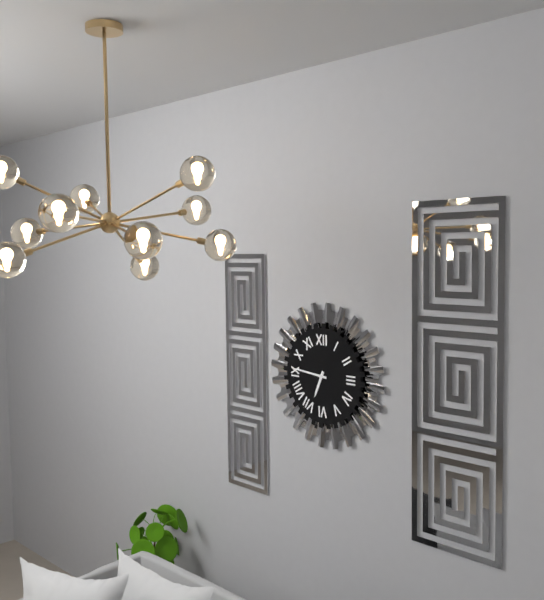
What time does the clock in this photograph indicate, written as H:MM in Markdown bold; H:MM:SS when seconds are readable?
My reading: **6:46**
